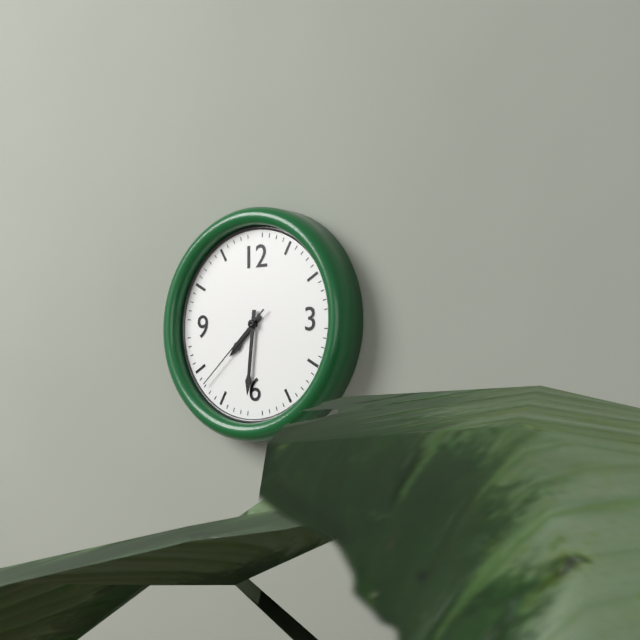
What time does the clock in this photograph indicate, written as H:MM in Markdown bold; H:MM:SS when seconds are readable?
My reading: **7:31:38**
